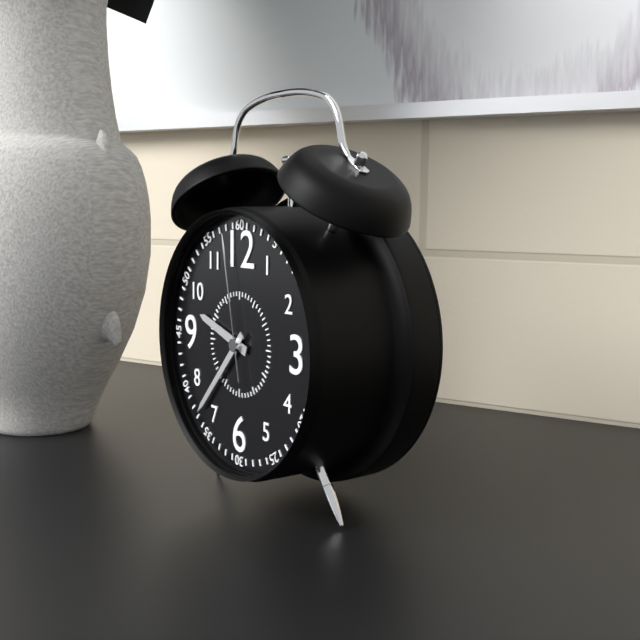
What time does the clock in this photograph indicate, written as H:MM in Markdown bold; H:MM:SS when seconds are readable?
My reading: **9:37:58**
